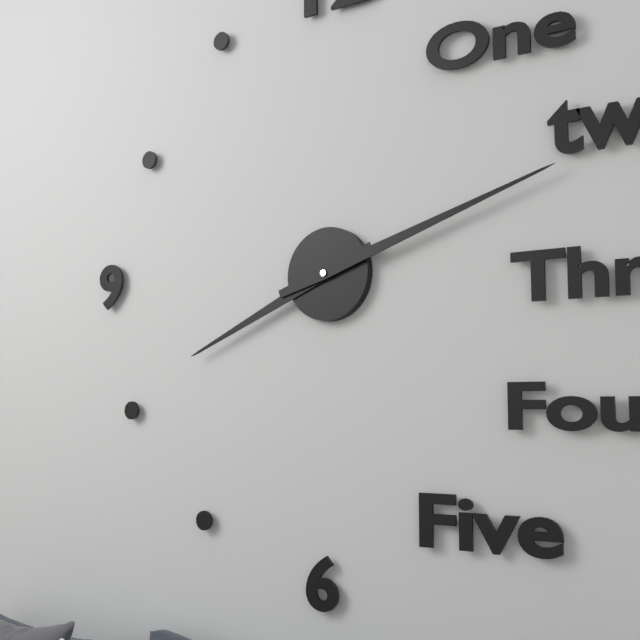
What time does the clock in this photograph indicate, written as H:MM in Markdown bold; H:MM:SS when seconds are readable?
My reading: **8:12**
